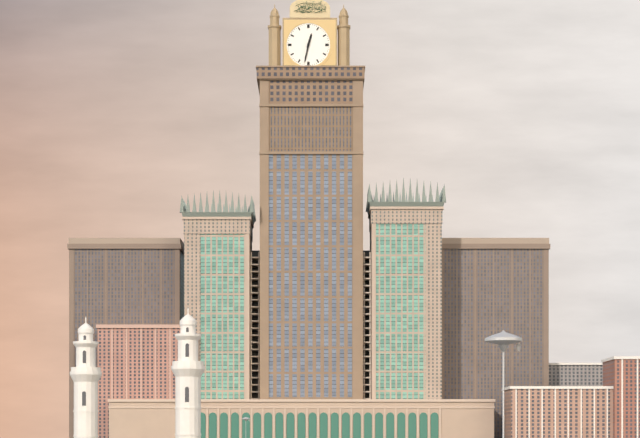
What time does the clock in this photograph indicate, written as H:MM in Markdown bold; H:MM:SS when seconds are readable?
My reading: **12:32**
